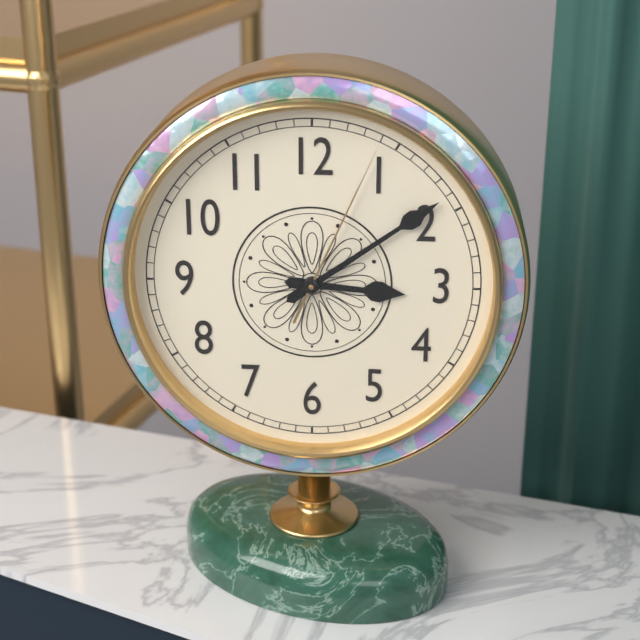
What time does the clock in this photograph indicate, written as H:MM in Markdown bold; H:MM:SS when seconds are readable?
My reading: **3:09:04**
